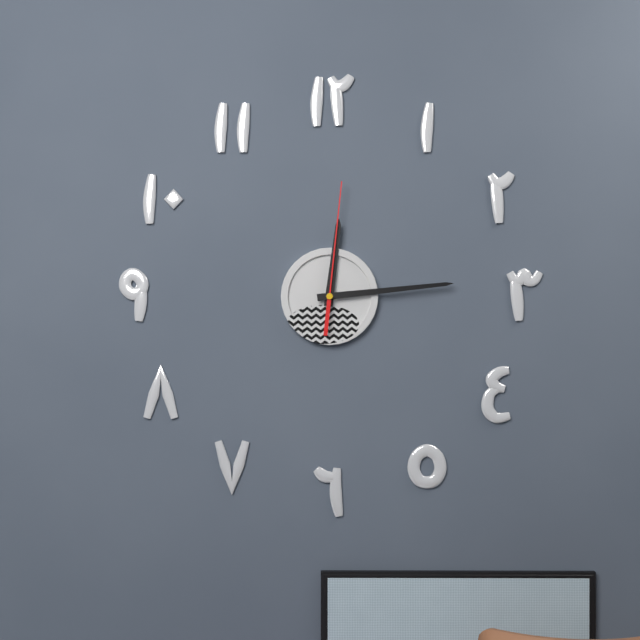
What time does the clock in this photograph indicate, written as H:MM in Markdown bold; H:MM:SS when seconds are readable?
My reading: **12:14:01**
